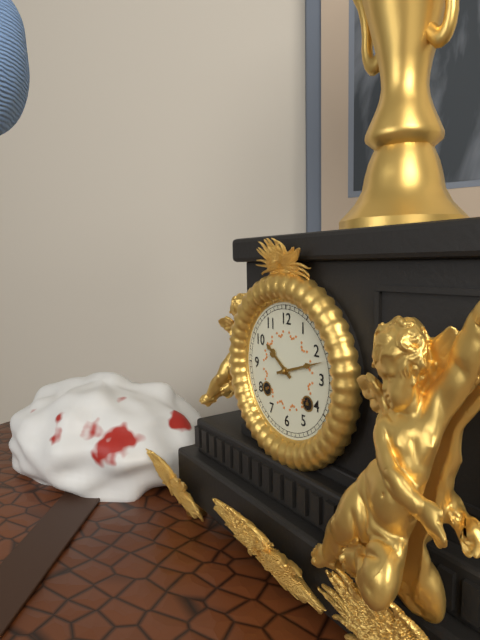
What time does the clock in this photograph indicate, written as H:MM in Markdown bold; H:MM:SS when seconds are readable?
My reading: **10:12**
